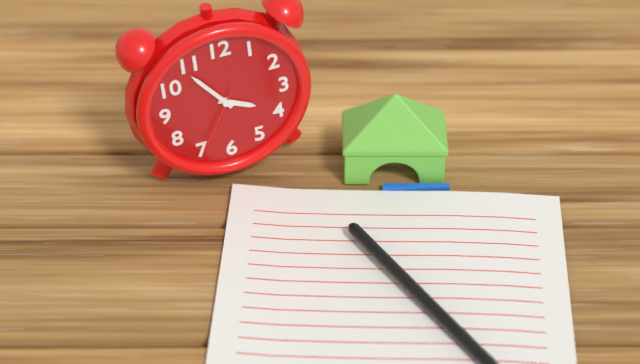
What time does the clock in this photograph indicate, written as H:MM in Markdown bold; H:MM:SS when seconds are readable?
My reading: **3:54:35**
